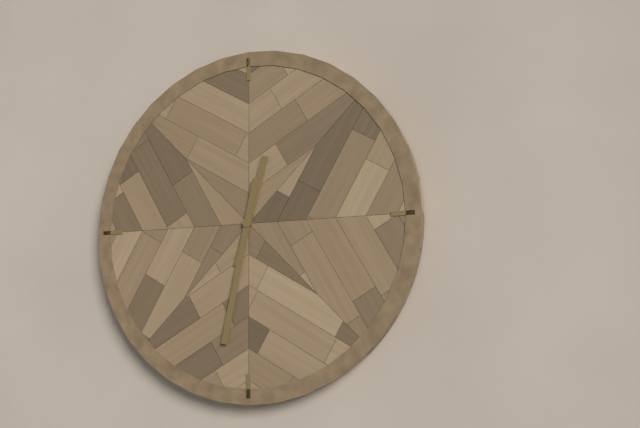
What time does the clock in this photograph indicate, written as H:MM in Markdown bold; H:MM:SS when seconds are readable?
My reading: **12:32**
